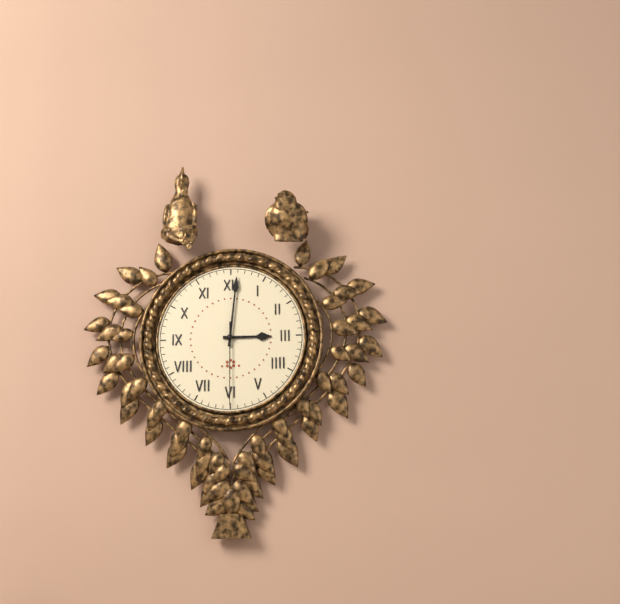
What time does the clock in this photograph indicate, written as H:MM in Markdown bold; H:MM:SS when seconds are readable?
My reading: **3:01:30**
